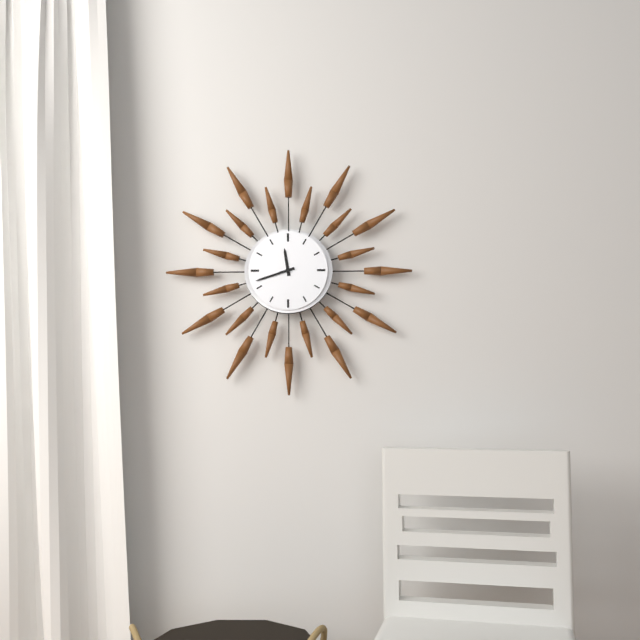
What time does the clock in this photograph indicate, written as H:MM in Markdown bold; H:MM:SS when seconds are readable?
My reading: **11:42**
